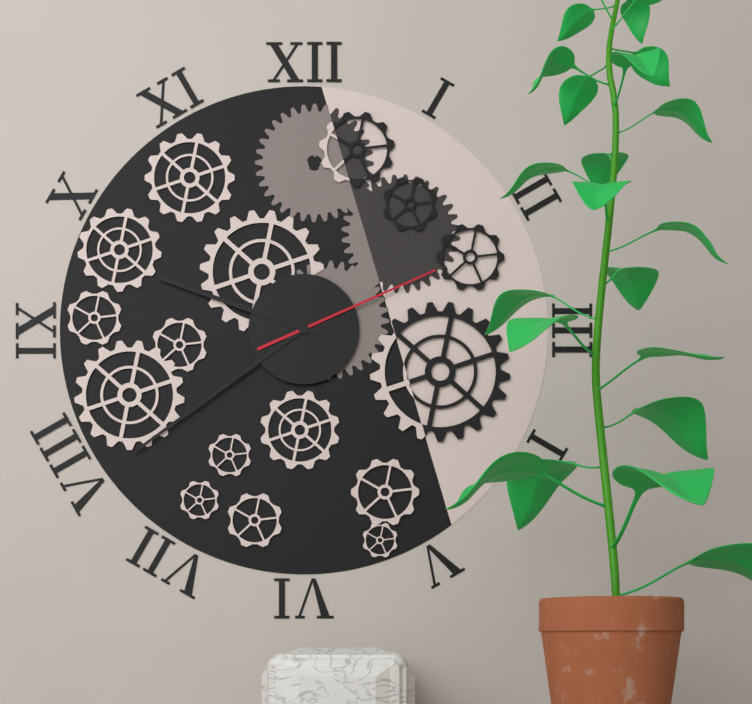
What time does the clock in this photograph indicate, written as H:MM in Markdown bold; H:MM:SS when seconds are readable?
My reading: **9:39:11**
